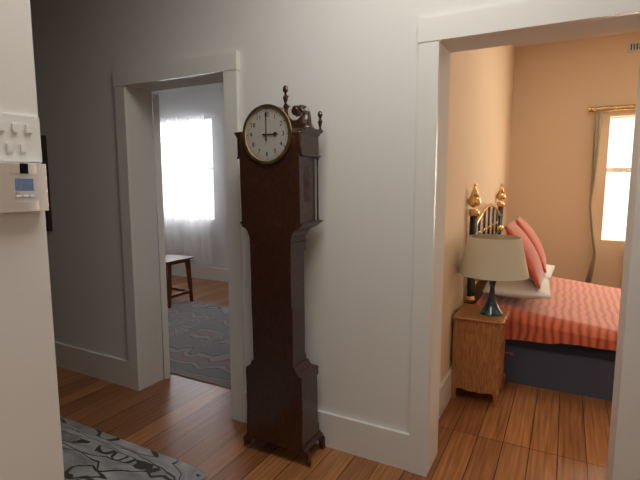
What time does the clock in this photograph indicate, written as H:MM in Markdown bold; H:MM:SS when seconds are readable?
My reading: **3:00**
